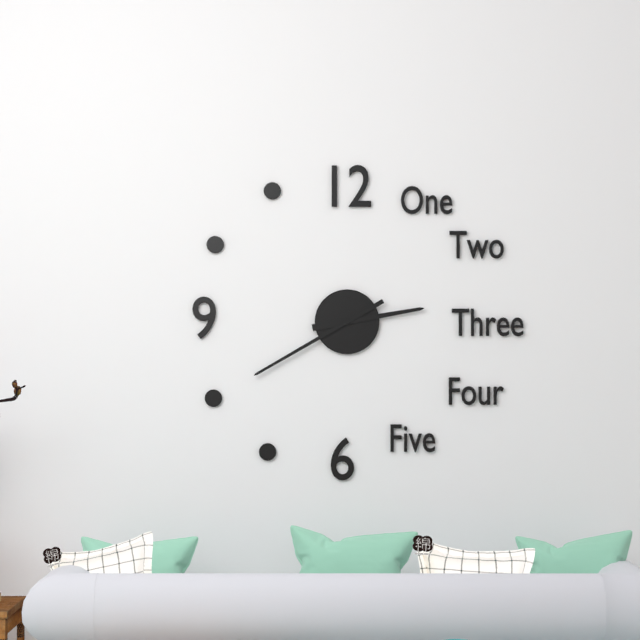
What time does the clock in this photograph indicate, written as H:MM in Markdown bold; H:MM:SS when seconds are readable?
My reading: **2:40**
